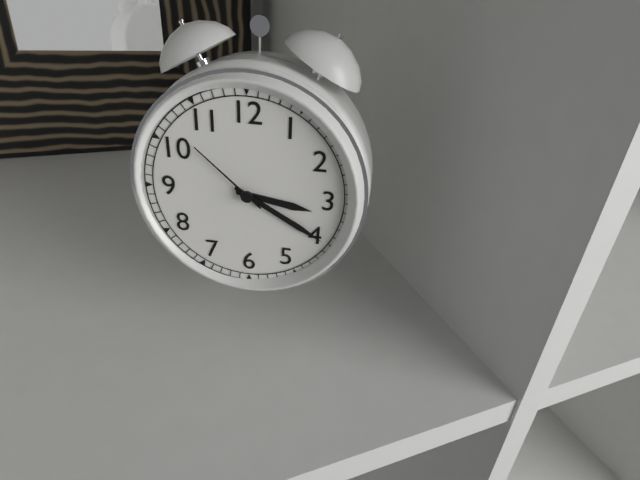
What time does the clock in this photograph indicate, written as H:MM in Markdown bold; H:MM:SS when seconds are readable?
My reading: **3:20:52**
